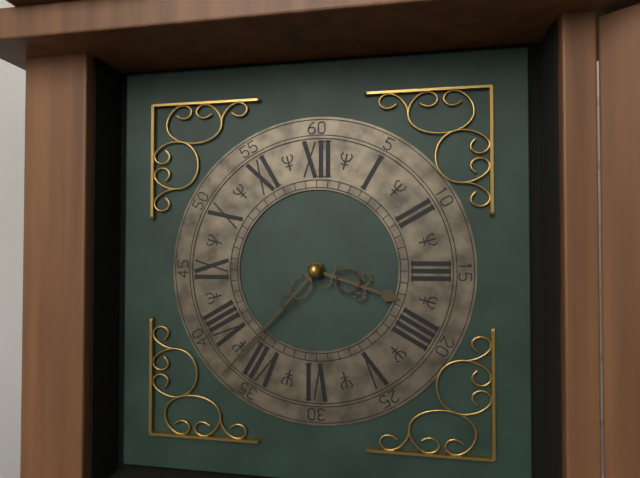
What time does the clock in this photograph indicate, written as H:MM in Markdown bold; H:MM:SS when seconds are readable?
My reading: **3:37**
